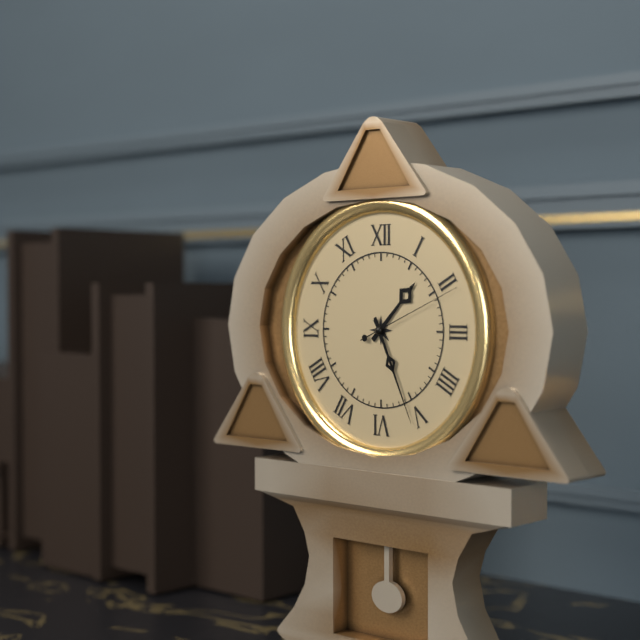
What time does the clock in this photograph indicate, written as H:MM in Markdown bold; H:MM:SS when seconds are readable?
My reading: **1:26:11**
